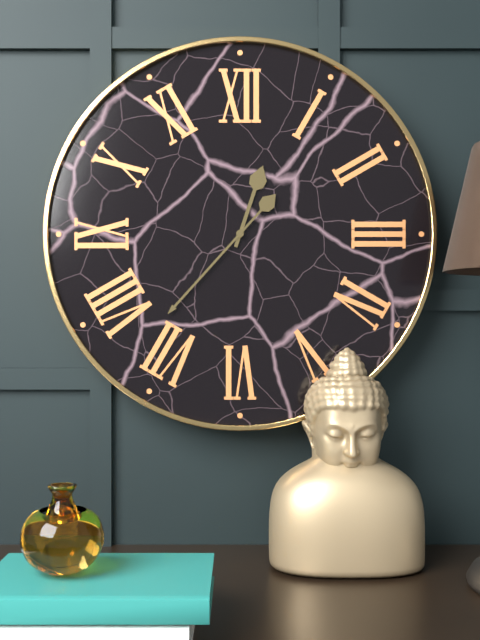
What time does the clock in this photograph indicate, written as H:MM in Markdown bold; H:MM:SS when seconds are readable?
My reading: **12:37**
